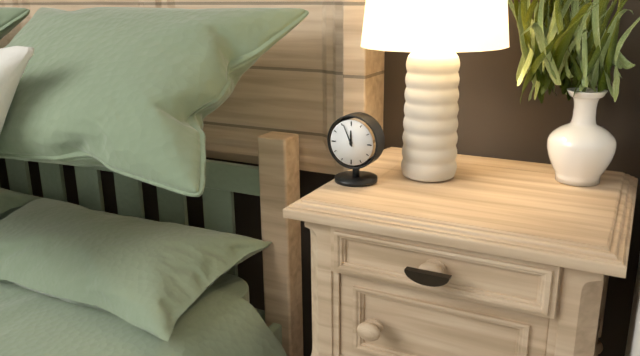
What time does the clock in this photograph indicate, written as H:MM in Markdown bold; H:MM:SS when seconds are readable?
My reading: **11:56**
